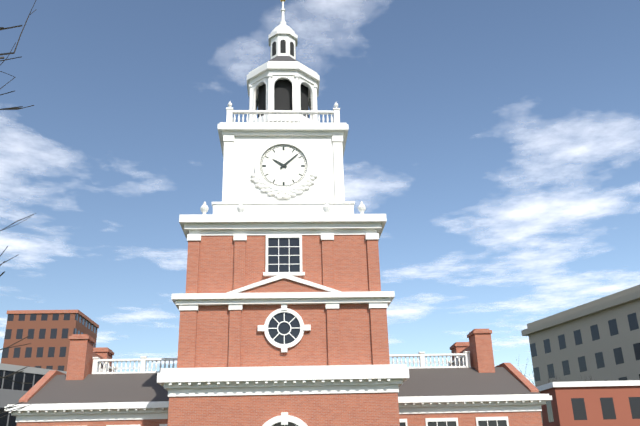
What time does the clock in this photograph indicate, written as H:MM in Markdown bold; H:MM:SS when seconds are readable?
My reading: **10:08**
